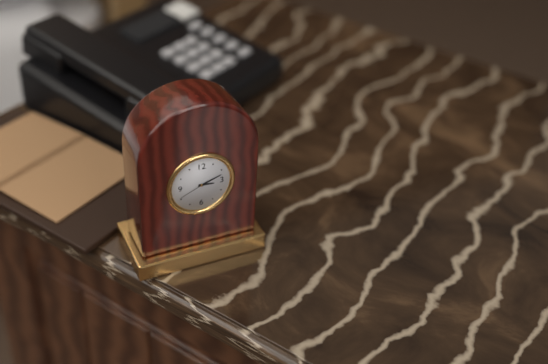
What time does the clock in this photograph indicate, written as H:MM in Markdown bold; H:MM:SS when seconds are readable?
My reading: **3:12**
